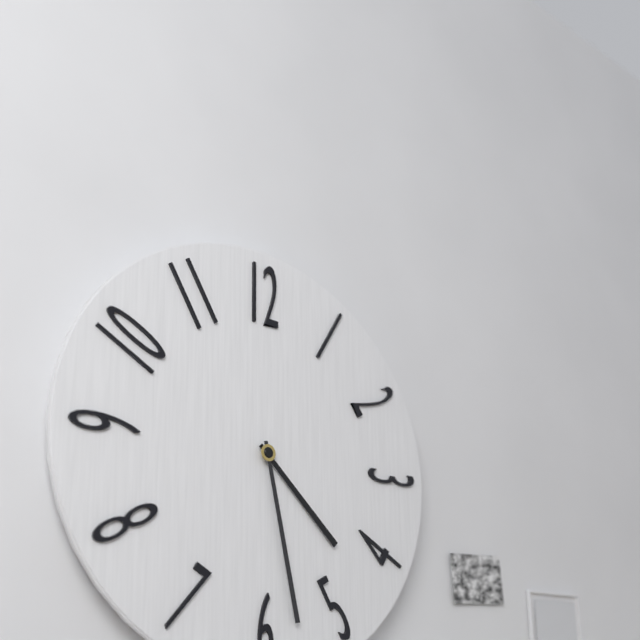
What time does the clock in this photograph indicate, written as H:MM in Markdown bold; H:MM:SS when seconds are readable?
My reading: **4:28**
